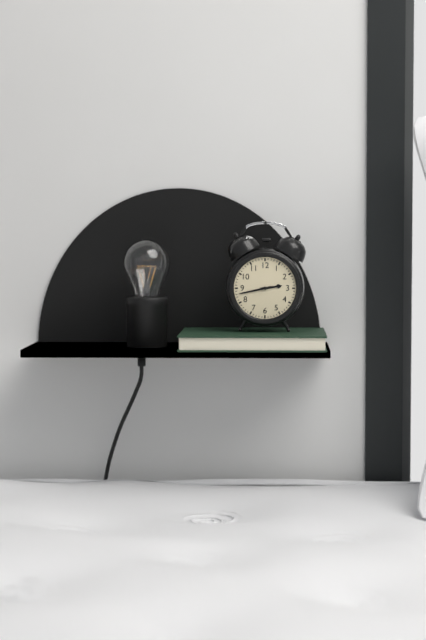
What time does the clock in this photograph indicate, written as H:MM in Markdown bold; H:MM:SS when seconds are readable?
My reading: **2:43**
